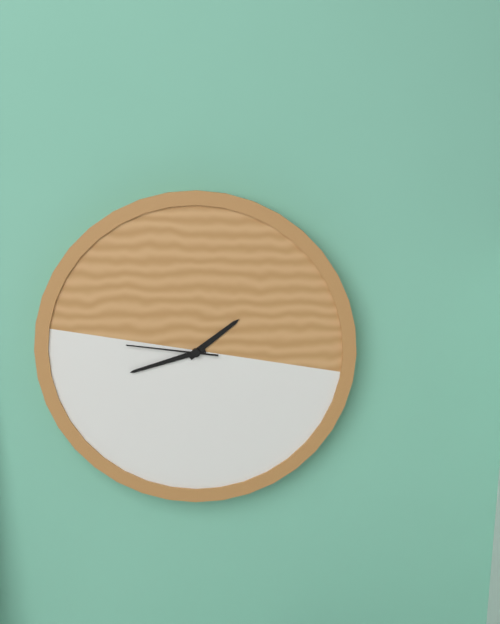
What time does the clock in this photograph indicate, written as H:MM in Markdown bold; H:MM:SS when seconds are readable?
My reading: **1:42:46**
